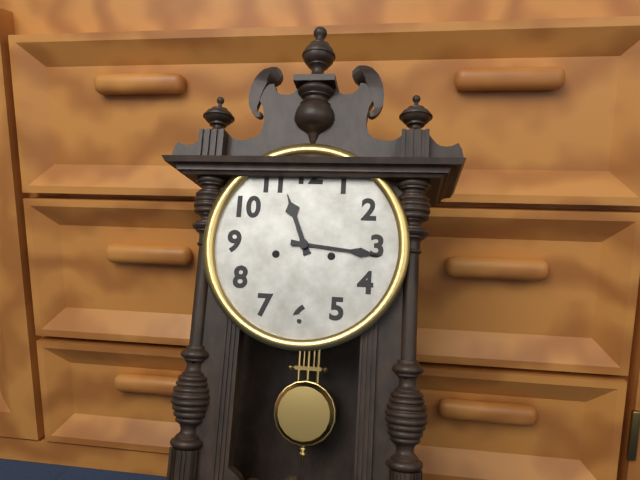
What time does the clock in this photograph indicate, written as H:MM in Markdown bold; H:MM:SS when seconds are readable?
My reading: **11:16**
